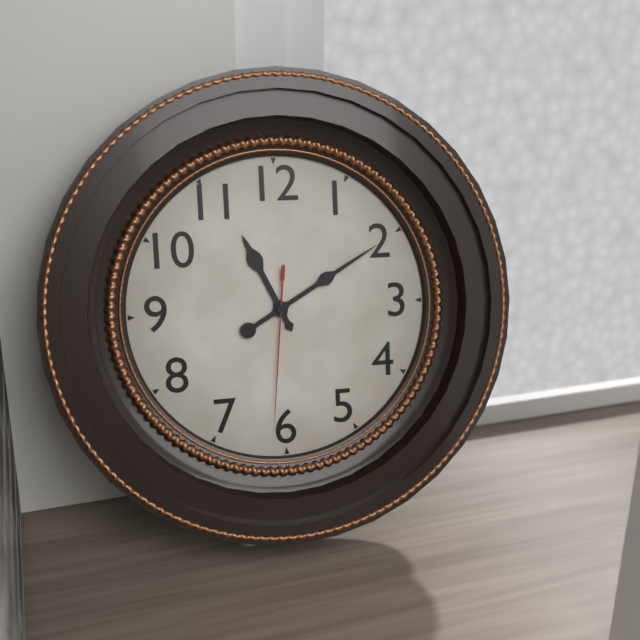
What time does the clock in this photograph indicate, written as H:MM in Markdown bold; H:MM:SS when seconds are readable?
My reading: **11:10:31**
